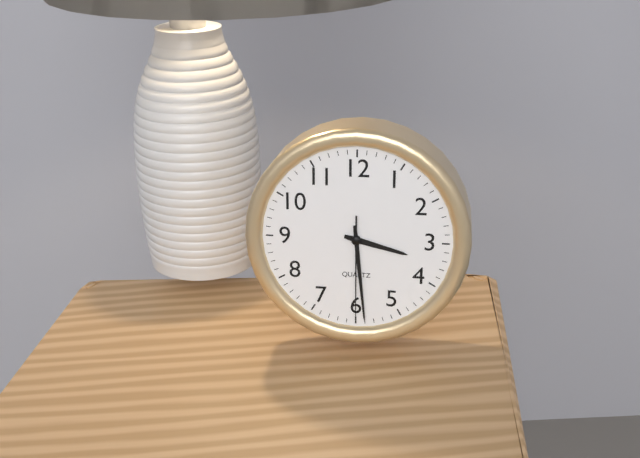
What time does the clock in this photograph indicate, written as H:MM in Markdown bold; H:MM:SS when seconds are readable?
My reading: **3:29:30**
